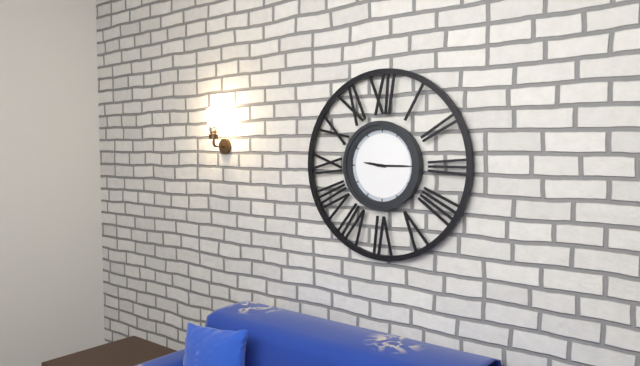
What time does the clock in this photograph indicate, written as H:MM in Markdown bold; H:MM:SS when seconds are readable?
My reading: **9:15**
